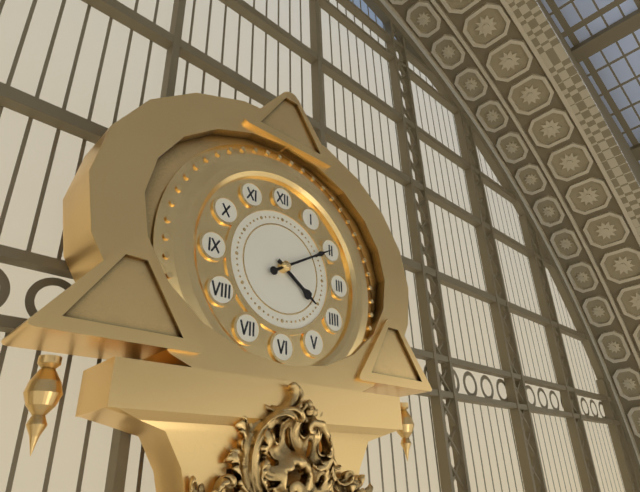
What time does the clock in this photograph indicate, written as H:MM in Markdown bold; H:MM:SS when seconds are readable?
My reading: **4:10**
